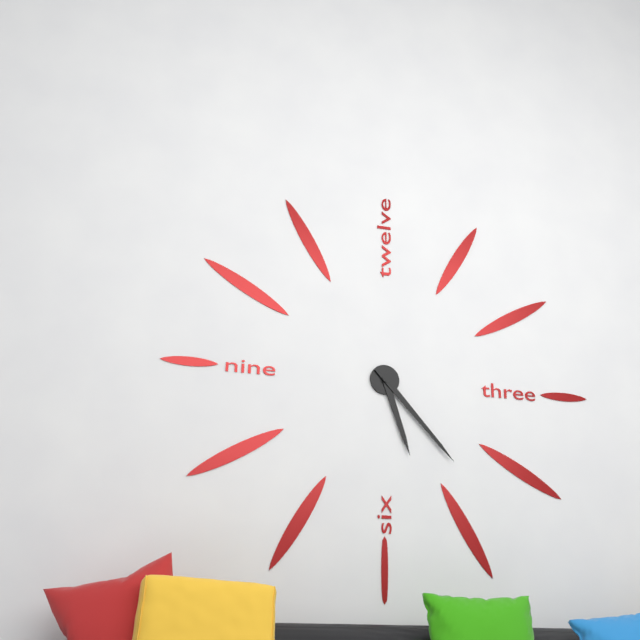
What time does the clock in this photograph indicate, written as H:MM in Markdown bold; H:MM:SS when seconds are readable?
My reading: **5:23**
